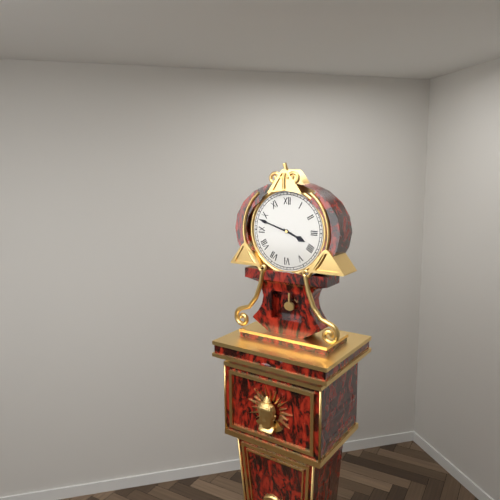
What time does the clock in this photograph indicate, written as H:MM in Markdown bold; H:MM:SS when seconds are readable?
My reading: **3:48**
